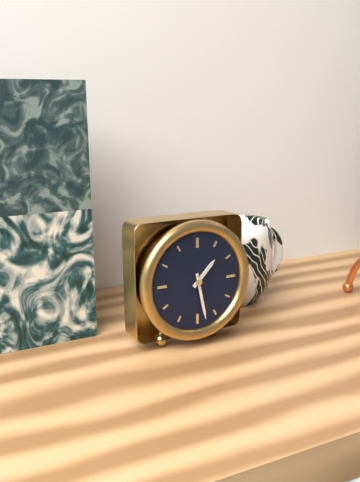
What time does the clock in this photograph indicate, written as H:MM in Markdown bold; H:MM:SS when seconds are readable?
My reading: **1:28**
